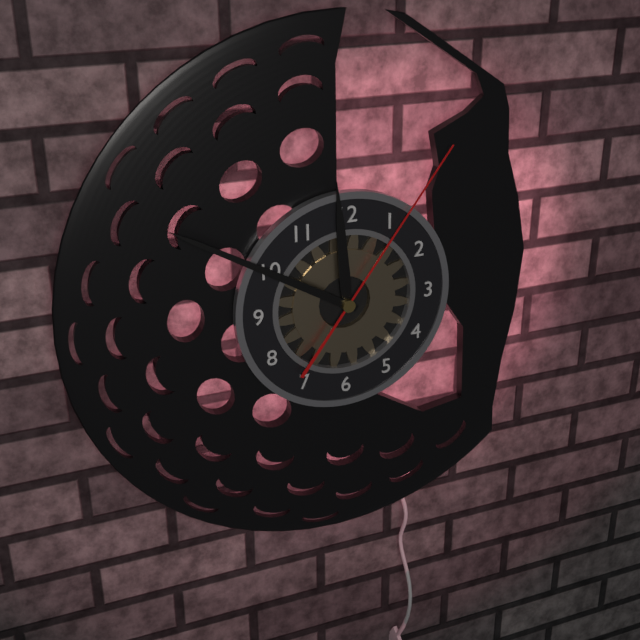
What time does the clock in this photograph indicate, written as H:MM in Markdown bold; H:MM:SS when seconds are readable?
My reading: **11:50:06**
